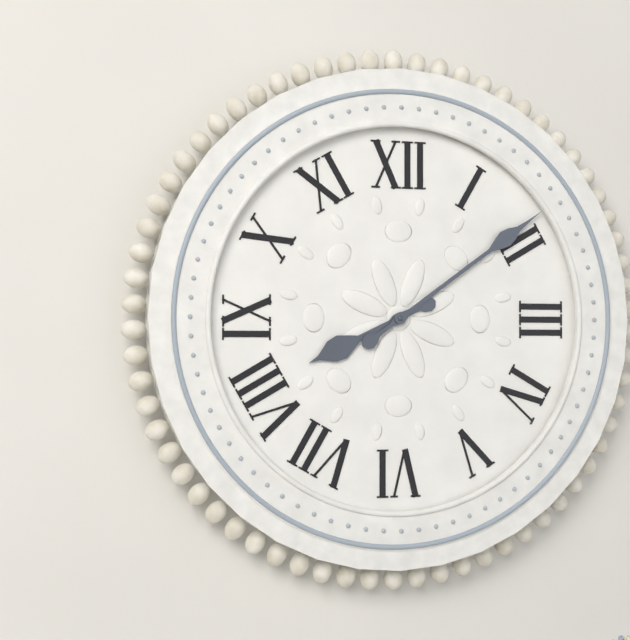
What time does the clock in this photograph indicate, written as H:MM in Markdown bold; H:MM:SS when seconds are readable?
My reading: **8:09**
